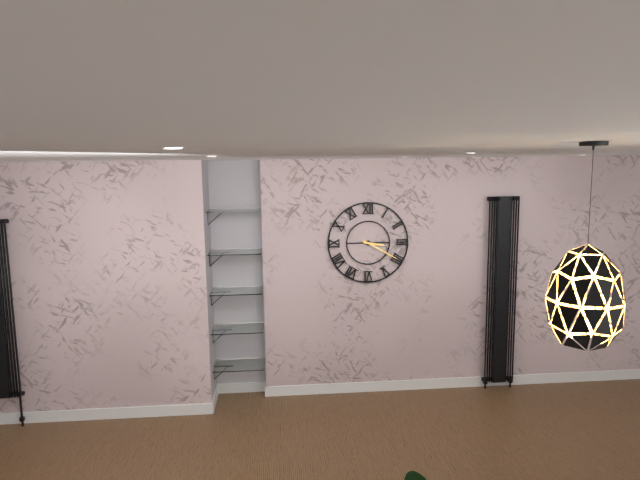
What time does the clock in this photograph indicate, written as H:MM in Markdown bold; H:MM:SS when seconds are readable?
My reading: **3:20**
